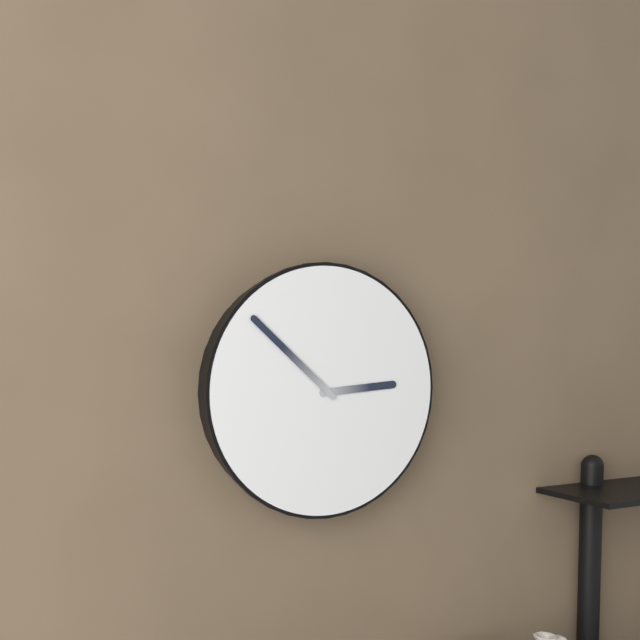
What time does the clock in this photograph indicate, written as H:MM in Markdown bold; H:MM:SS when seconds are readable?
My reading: **2:52**
